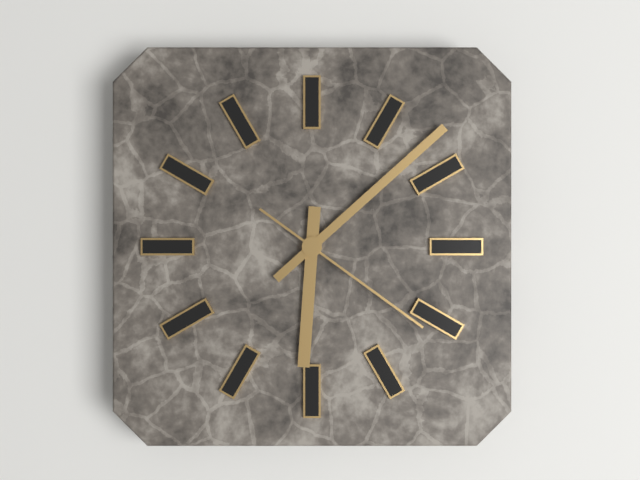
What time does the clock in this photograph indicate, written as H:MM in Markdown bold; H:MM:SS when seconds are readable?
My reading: **6:08:21**
